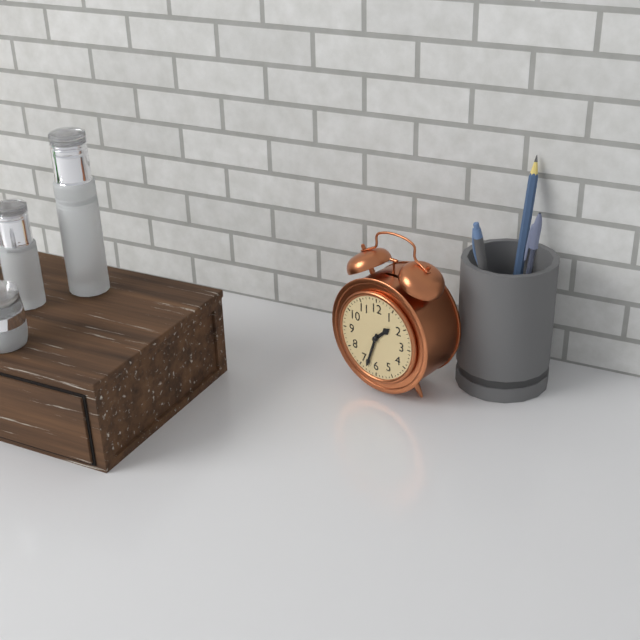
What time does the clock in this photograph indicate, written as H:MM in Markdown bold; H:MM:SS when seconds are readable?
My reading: **1:33**
